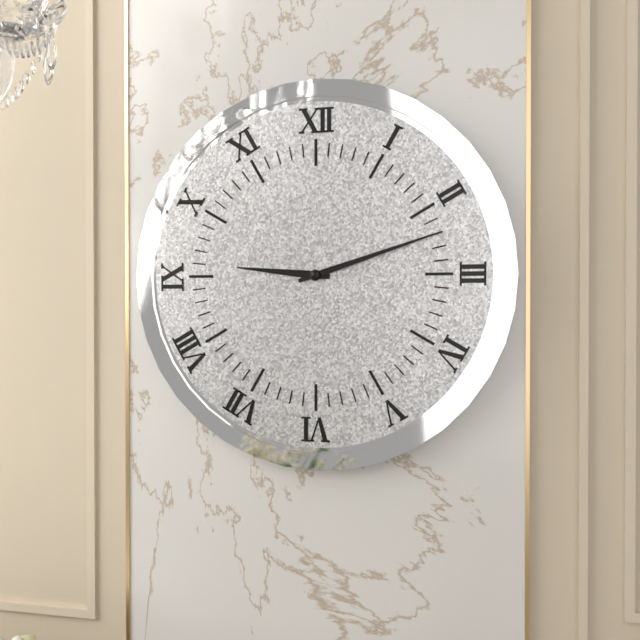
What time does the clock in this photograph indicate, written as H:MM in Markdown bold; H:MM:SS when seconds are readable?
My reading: **9:12**
